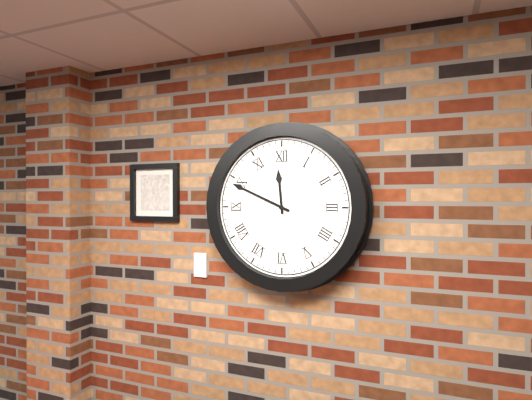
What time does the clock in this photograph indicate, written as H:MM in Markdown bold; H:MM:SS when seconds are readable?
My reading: **11:49**
